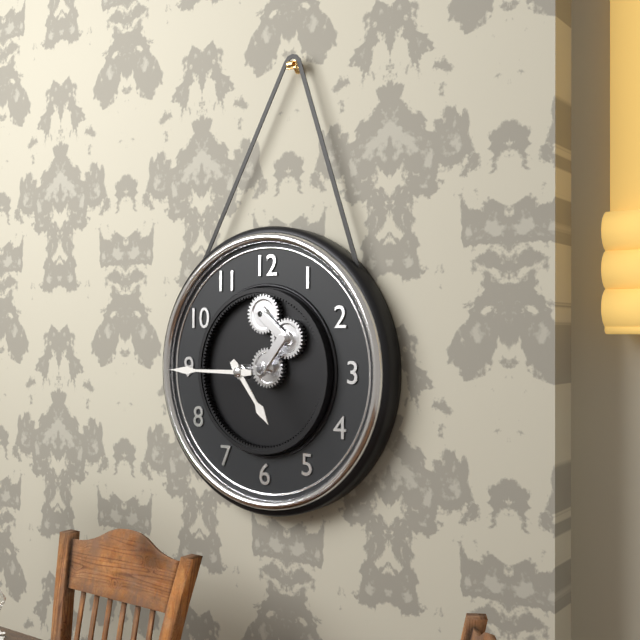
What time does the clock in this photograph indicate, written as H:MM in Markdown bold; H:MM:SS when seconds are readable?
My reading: **4:45**
